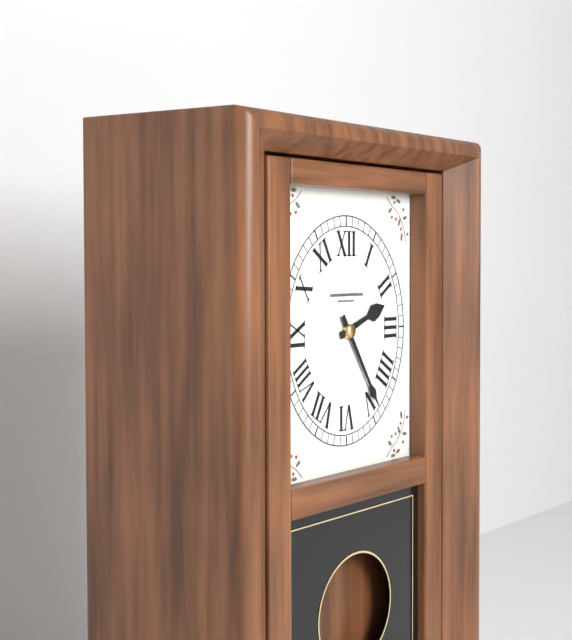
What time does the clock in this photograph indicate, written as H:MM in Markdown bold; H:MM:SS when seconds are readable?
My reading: **2:24**
